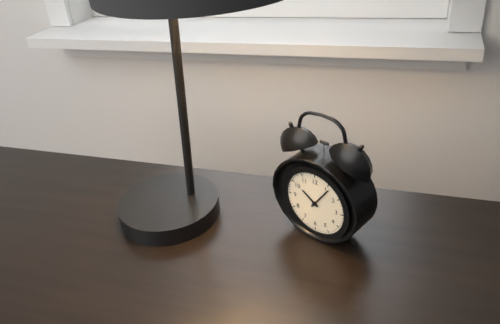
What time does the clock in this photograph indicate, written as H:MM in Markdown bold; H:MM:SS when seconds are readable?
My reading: **10:06**
